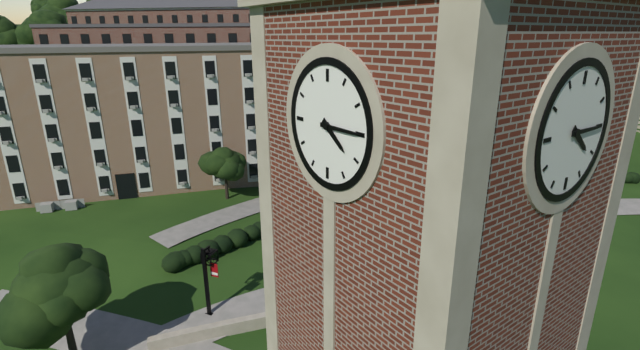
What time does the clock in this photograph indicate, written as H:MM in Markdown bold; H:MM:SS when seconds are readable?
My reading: **4:15**
